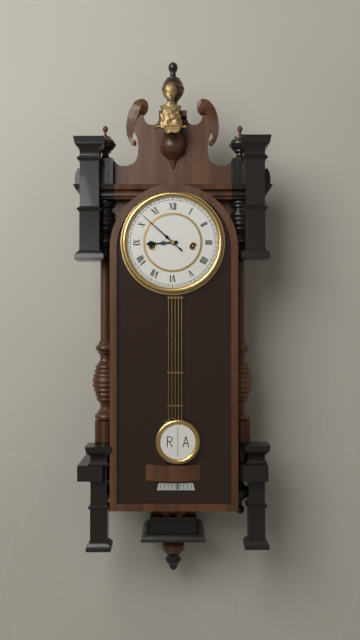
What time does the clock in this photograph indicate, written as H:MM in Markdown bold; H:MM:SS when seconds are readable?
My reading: **8:52**
